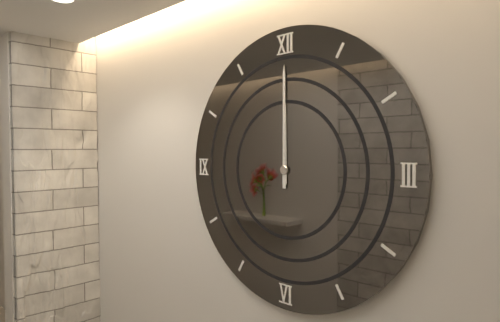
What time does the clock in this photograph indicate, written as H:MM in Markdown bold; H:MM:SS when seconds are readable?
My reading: **12:00**
